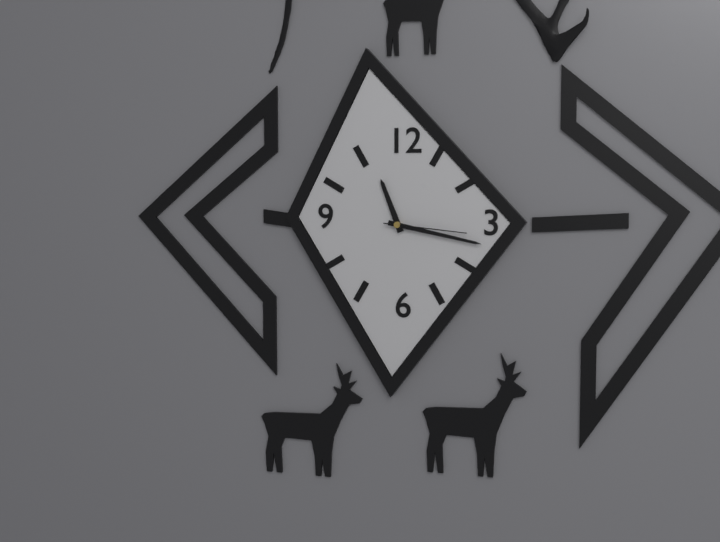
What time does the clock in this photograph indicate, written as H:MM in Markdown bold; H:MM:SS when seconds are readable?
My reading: **11:17:16**
